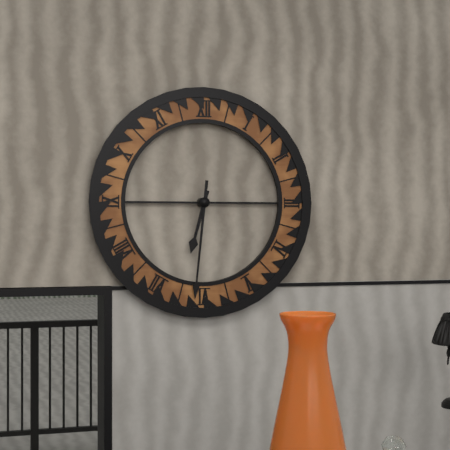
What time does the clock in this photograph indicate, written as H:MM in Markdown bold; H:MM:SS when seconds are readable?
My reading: **6:31**
